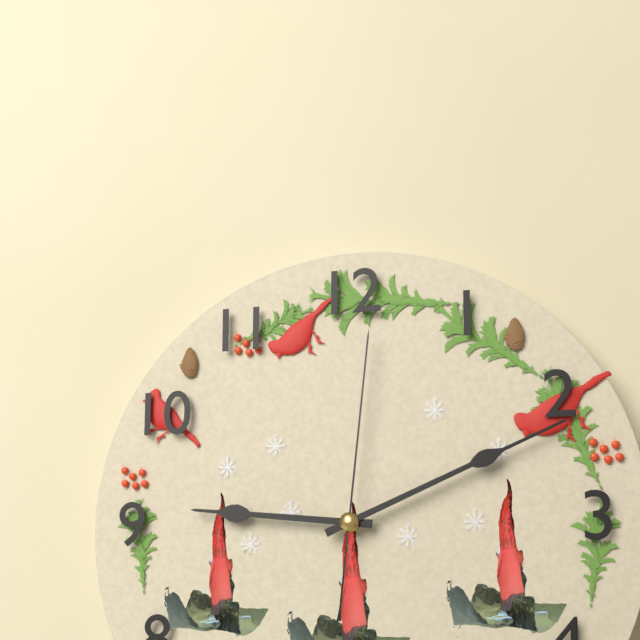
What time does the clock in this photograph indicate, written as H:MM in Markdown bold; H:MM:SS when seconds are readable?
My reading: **9:11:01**
